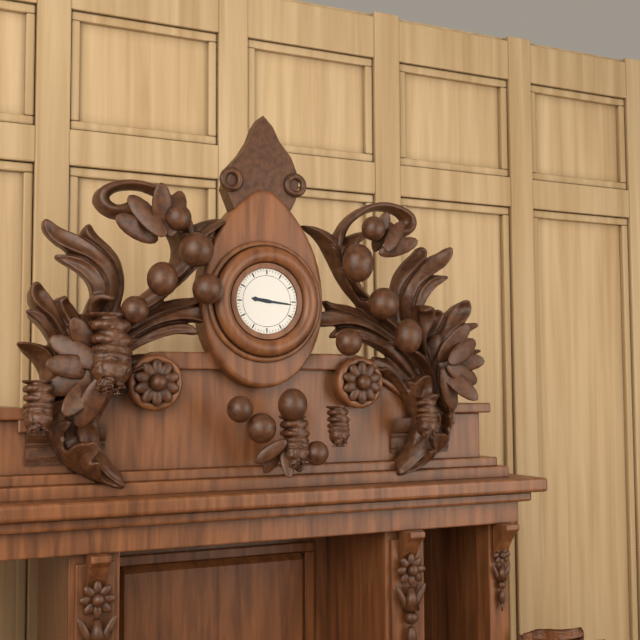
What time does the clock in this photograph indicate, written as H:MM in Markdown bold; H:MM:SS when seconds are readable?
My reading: **9:16**
